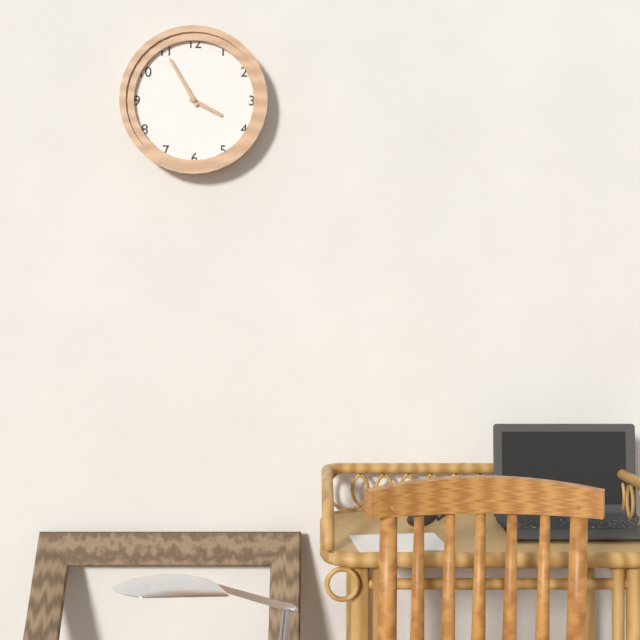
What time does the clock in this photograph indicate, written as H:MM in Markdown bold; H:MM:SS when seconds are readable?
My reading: **3:55**
